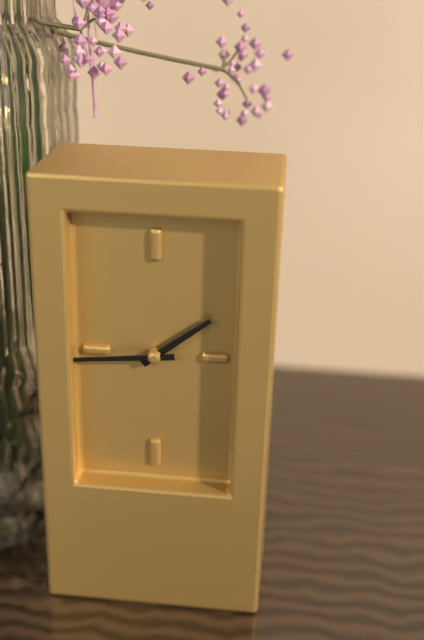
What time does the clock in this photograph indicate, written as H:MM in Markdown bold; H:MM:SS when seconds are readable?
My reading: **1:44**
